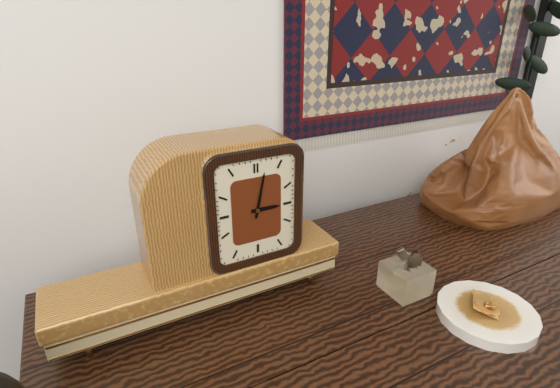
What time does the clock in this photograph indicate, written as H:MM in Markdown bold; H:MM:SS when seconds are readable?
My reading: **3:02**
